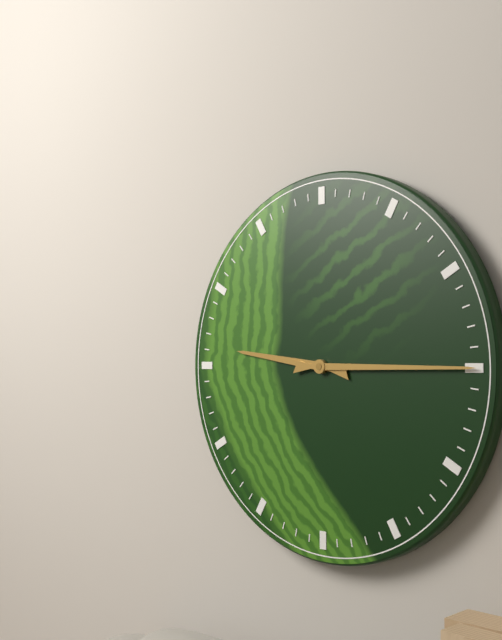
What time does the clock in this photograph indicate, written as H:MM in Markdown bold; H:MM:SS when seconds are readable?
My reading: **9:15**
